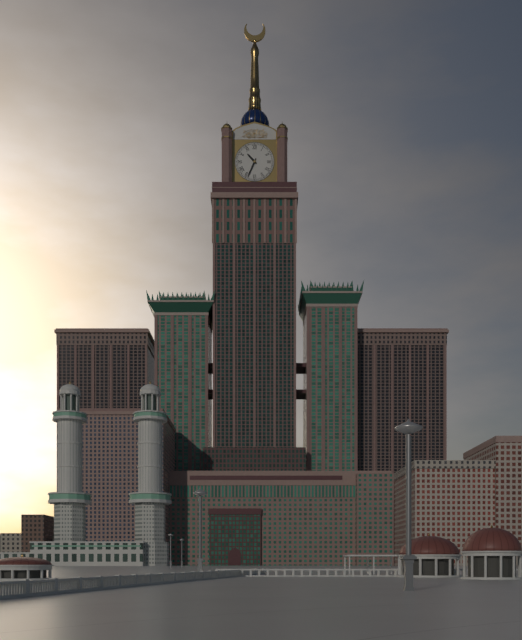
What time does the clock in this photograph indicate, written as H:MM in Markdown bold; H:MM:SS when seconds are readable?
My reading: **10:34**
